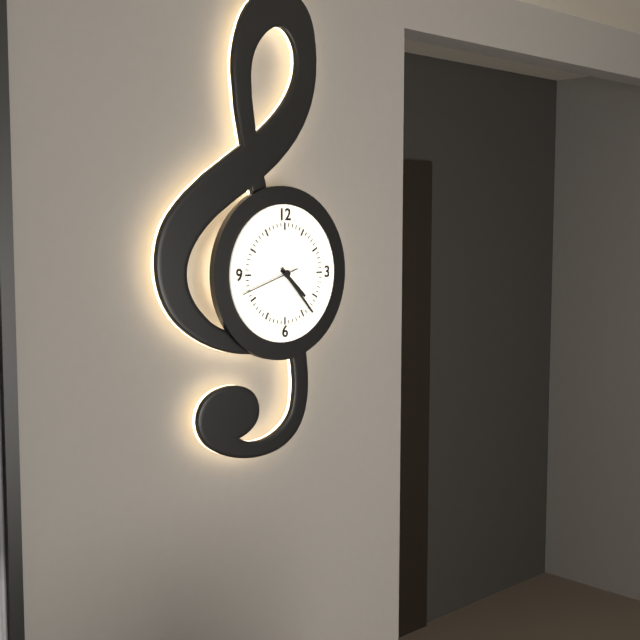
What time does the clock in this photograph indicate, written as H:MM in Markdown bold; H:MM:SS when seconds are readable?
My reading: **4:23:42**
